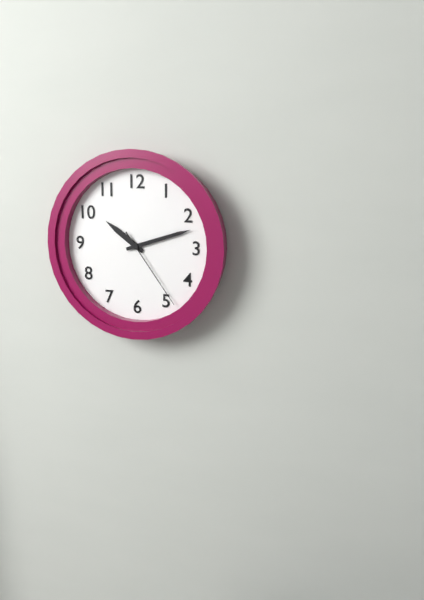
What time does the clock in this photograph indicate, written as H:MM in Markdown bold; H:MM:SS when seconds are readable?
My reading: **10:12:24**
